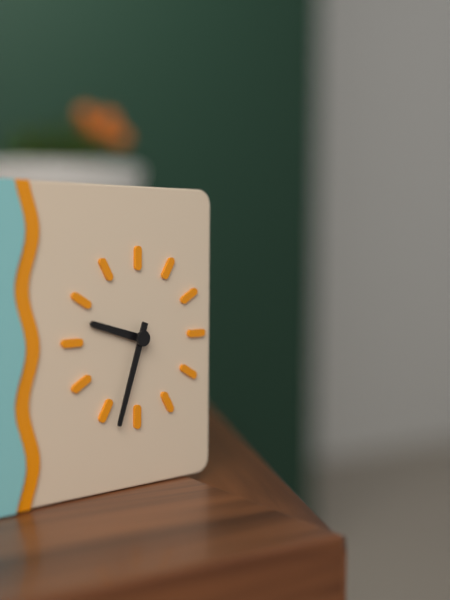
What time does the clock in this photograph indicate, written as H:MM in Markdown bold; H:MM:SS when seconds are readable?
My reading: **9:33**
